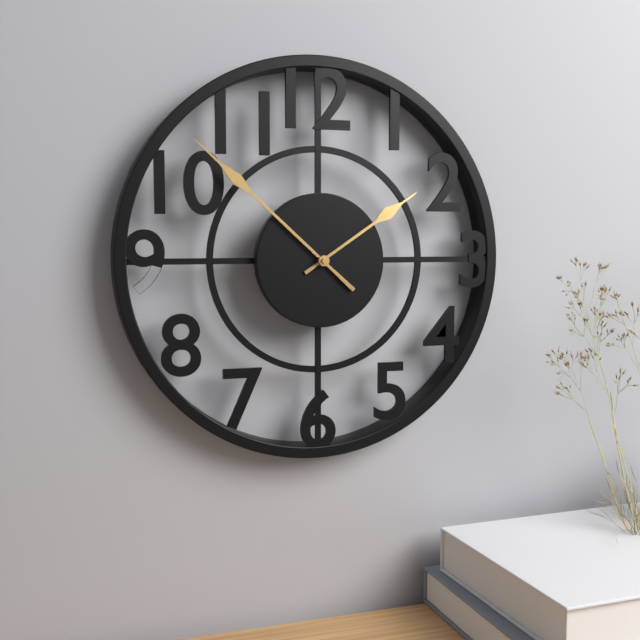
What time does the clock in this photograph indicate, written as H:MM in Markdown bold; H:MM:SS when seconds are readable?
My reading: **1:52**
